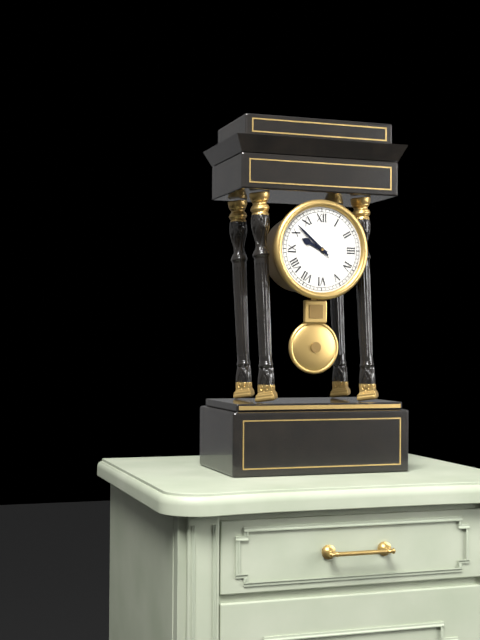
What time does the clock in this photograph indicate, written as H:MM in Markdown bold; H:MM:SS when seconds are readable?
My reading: **9:52**
